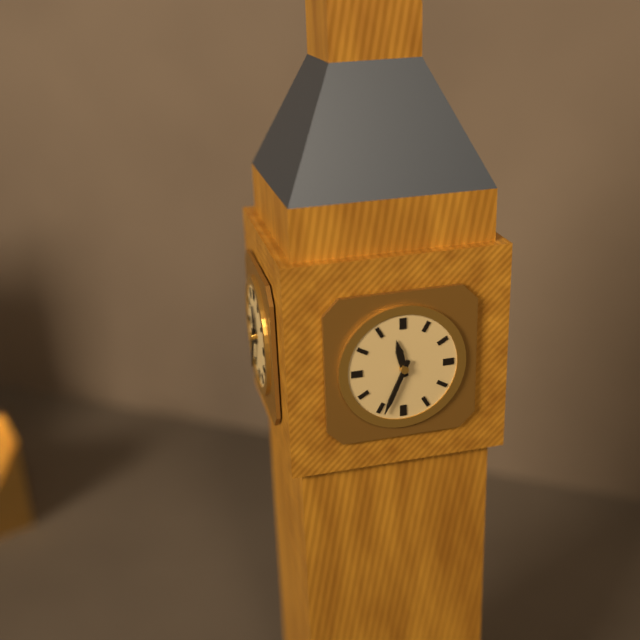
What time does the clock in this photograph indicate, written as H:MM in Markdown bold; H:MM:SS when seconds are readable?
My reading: **11:34**
